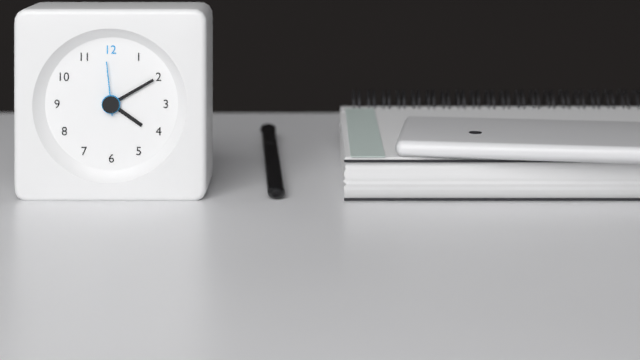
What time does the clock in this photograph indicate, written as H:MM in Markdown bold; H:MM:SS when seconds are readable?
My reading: **4:10:59**
